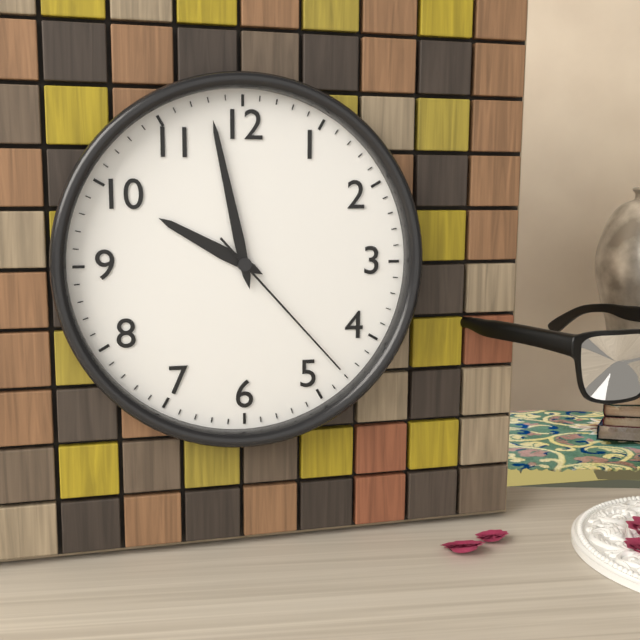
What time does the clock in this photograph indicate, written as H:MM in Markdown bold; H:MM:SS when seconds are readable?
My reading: **9:58:23**
